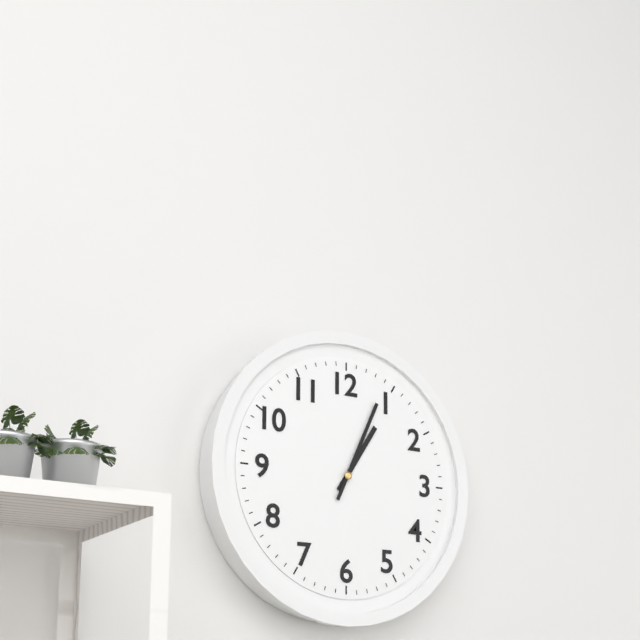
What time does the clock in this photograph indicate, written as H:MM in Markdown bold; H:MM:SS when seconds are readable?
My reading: **1:04**
